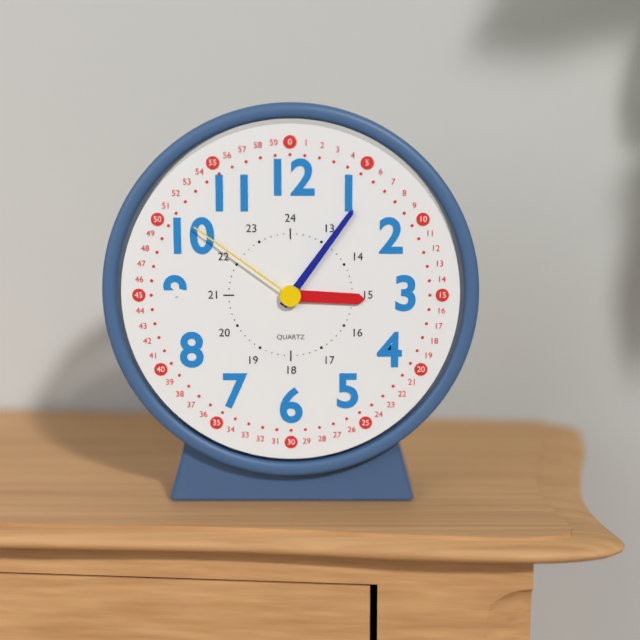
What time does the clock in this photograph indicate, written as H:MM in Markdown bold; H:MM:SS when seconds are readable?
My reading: **3:06:51**
